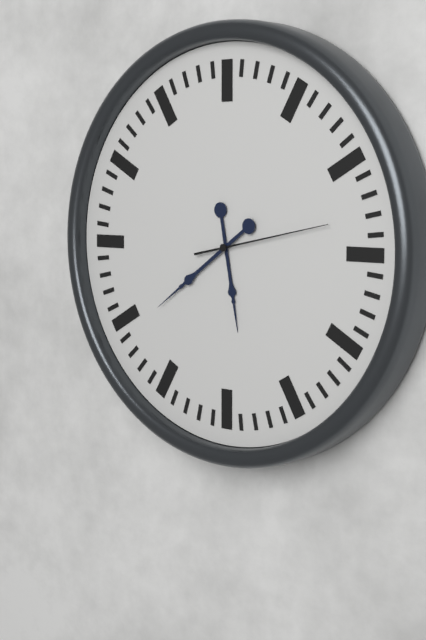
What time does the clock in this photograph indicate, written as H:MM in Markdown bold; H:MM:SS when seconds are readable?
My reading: **5:39:13**
